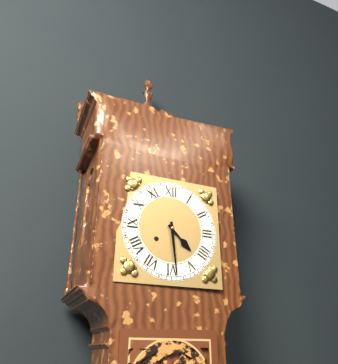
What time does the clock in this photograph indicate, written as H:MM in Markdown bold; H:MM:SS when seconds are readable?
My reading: **4:29**
